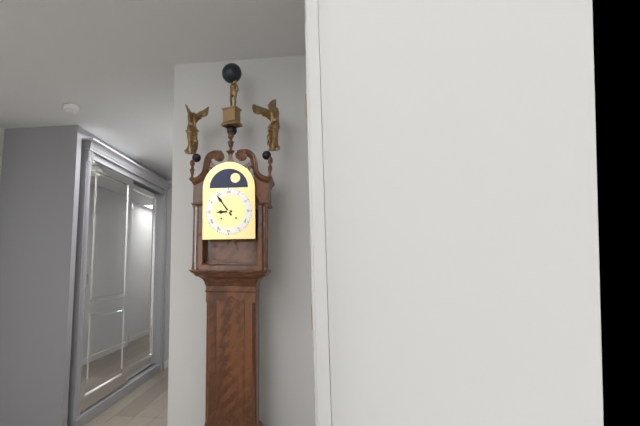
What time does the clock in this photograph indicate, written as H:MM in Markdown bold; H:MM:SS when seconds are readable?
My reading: **8:54**
